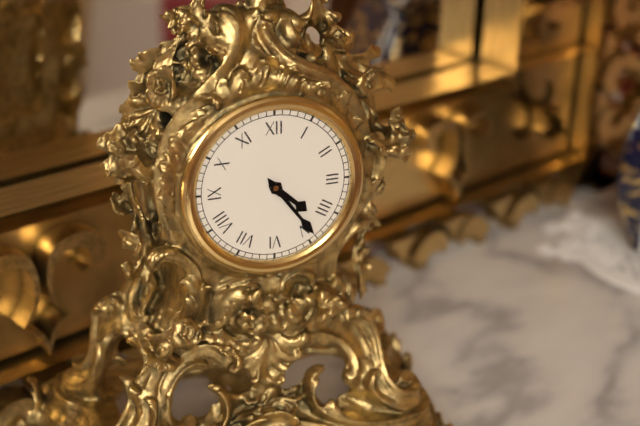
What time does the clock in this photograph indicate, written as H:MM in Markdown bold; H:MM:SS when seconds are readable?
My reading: **4:24**
